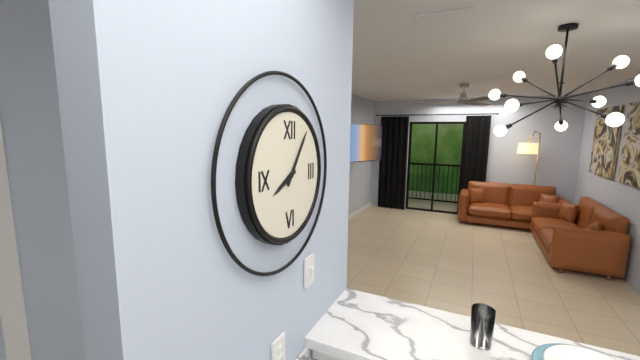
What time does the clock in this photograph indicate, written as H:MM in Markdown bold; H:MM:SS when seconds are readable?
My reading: **8:06**
